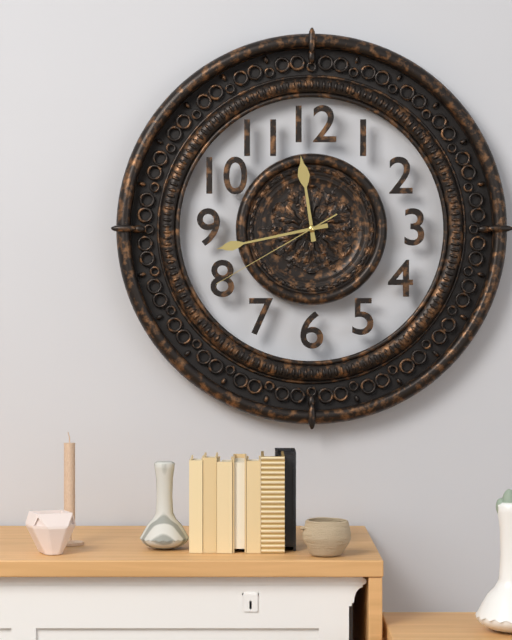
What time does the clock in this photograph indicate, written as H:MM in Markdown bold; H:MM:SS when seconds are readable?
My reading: **11:43:40**
